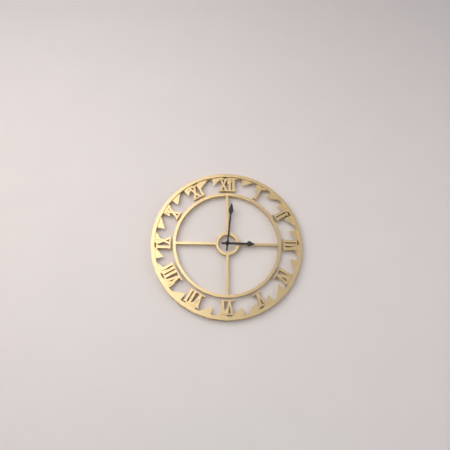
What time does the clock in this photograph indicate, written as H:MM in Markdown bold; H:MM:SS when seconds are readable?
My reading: **3:01**
